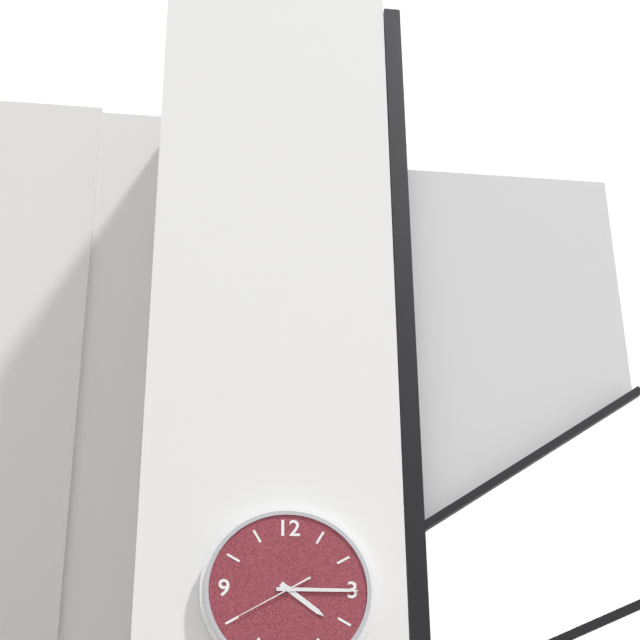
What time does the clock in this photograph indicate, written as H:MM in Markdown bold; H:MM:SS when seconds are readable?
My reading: **4:15:40**
